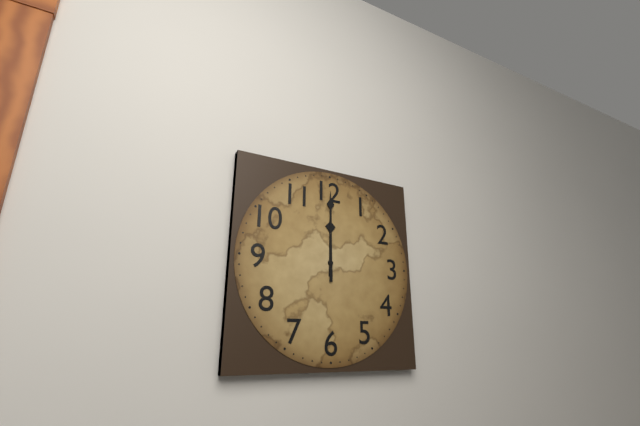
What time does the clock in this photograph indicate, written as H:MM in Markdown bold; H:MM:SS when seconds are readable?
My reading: **12:00**
